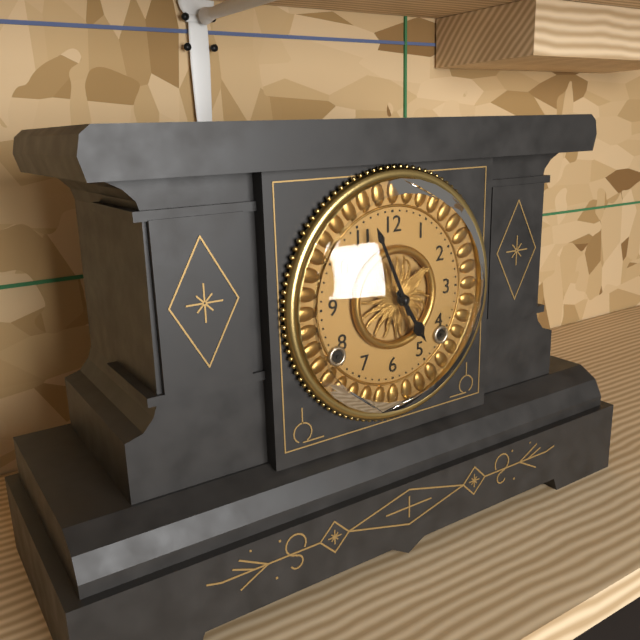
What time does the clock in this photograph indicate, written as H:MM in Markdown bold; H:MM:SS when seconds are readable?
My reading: **4:56**
